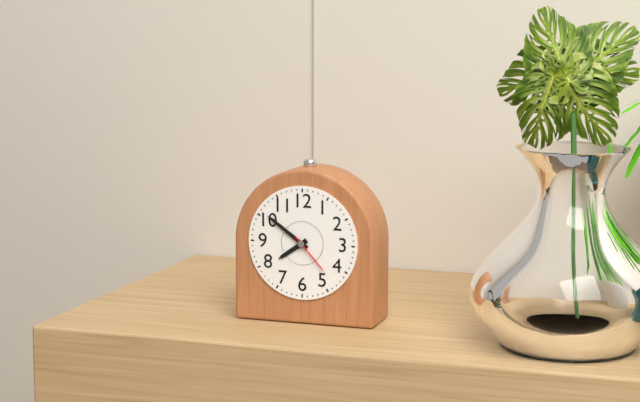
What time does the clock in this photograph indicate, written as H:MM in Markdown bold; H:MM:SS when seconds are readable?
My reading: **7:51**
